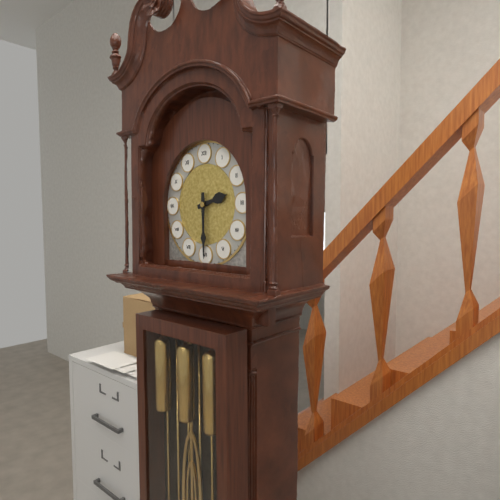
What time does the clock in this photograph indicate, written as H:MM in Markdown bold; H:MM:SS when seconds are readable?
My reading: **2:30**
